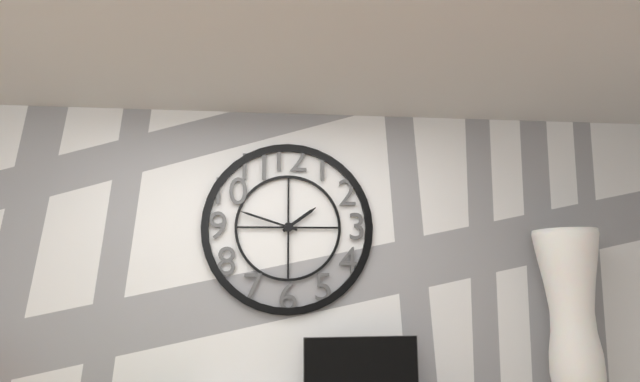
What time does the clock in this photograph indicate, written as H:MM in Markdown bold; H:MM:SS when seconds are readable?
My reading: **1:48**
